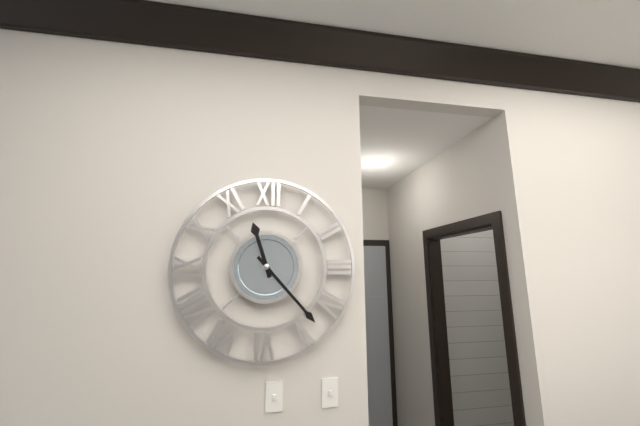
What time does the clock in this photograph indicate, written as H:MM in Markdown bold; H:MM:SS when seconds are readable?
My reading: **11:23**
